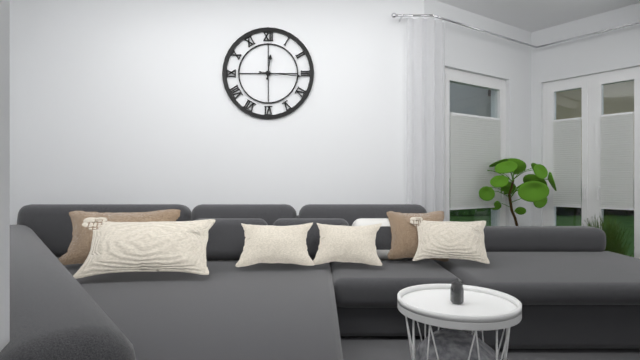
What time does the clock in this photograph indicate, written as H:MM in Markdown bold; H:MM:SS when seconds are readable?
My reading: **12:16**
